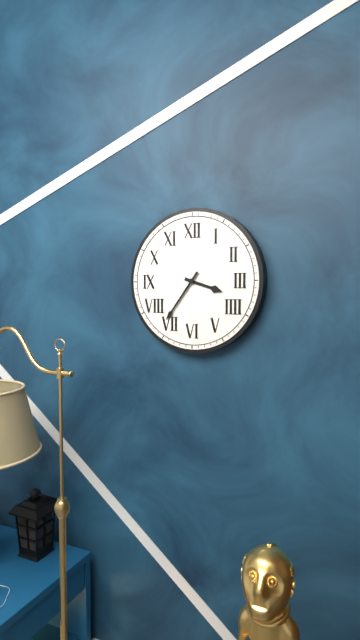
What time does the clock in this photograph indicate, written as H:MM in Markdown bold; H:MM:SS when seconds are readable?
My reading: **3:36**
